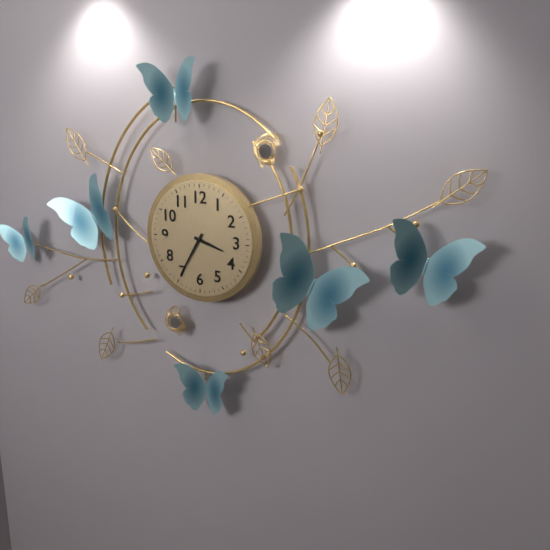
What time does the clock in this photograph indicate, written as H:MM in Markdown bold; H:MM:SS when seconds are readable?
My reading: **3:35**
